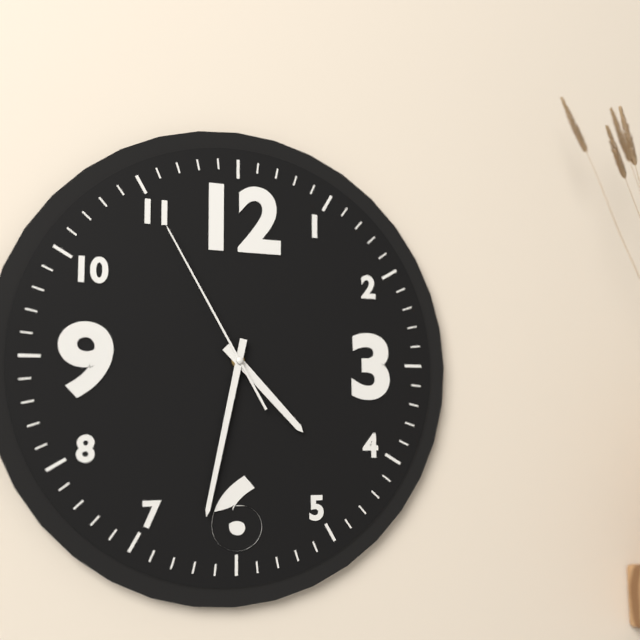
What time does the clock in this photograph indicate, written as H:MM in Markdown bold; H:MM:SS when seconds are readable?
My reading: **4:32:55**
